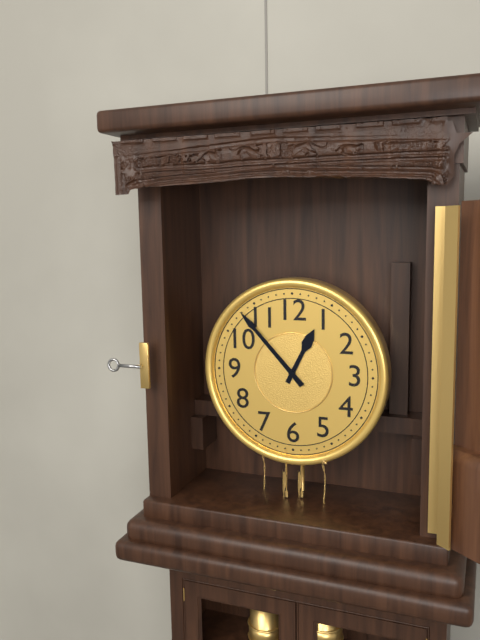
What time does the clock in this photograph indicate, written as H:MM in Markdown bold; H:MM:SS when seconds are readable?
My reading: **12:53**
